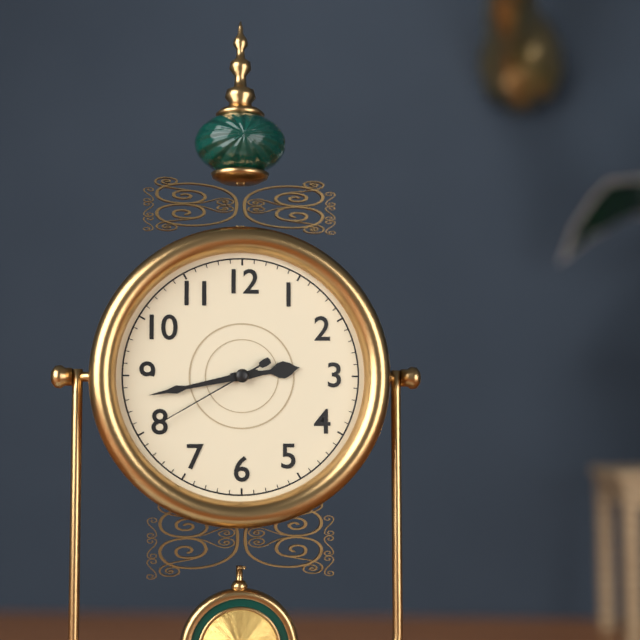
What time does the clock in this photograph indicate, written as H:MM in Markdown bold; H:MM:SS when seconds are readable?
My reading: **2:43:40**
